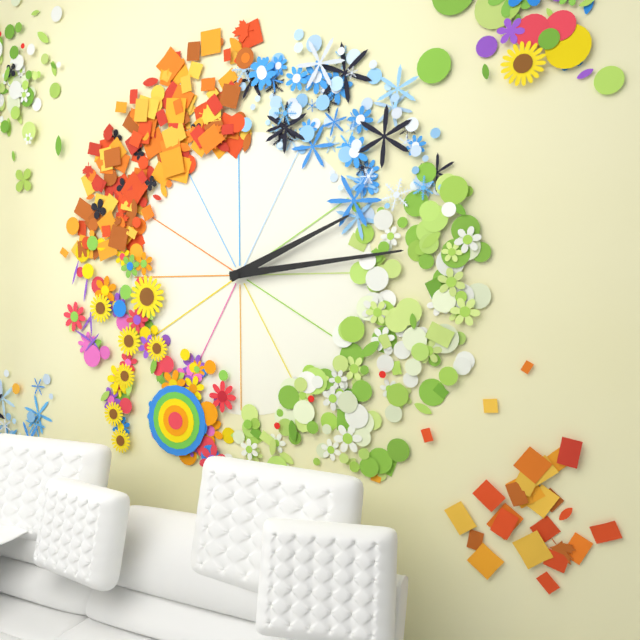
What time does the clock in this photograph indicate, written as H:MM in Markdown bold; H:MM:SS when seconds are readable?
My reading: **2:14**
